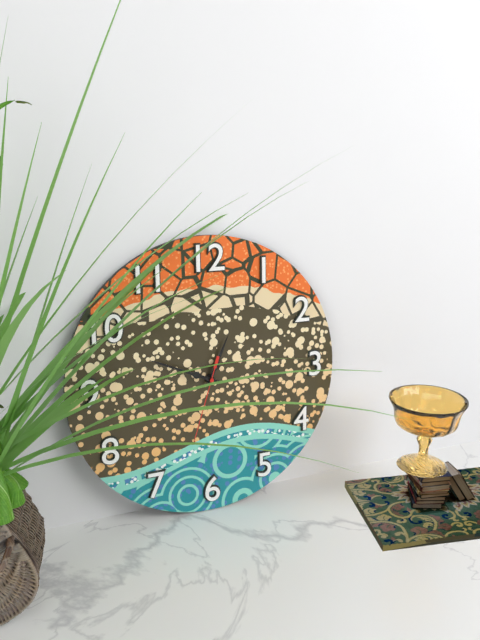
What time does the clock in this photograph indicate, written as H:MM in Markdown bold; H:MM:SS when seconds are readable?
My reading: **12:49:33**
